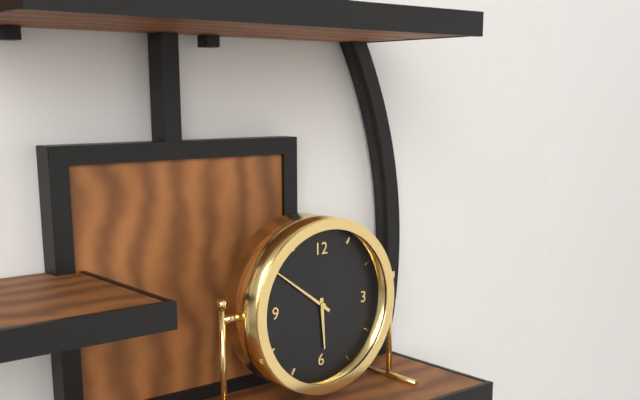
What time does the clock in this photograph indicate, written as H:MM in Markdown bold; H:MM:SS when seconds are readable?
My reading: **5:51**
